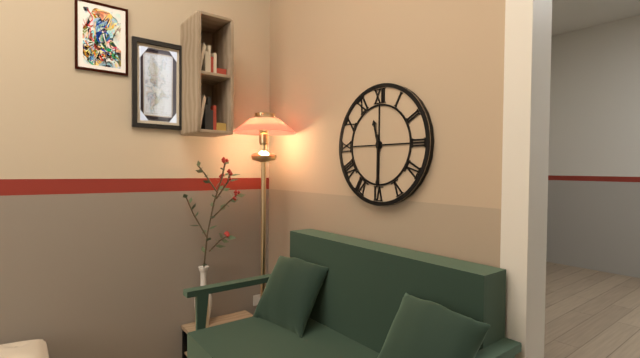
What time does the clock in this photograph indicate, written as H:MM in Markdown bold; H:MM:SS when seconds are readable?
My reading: **11:30**
